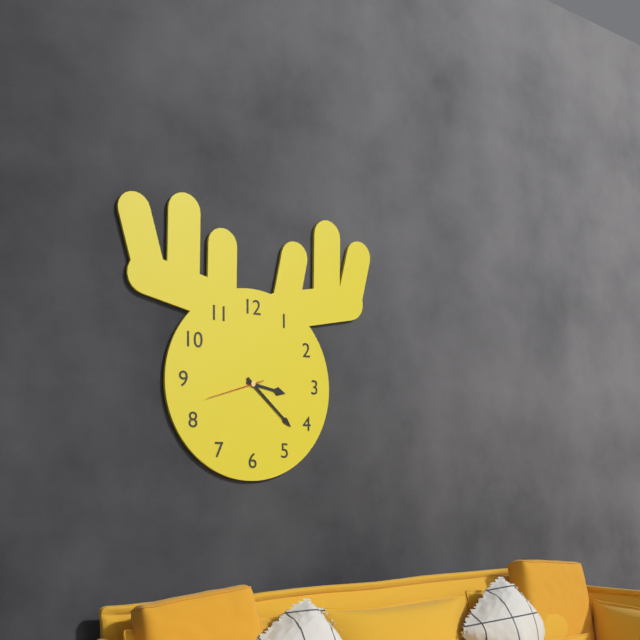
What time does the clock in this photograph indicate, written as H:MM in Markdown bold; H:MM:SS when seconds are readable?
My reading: **3:22:42**
